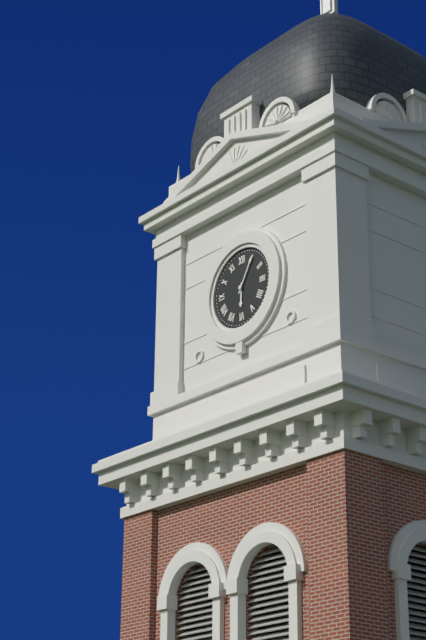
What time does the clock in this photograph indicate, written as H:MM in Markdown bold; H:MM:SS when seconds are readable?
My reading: **6:05**
